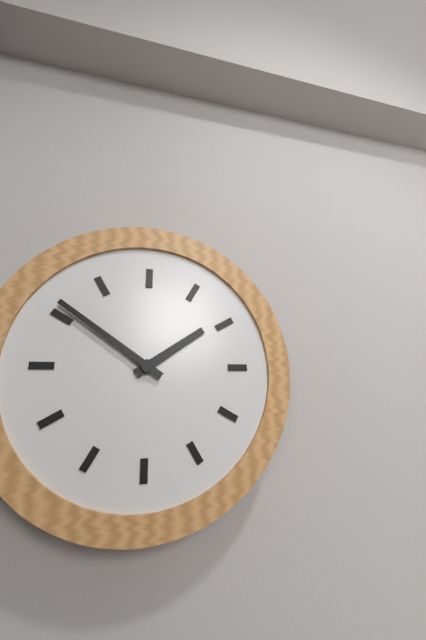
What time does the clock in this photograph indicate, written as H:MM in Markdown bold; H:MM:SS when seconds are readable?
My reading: **1:51**
